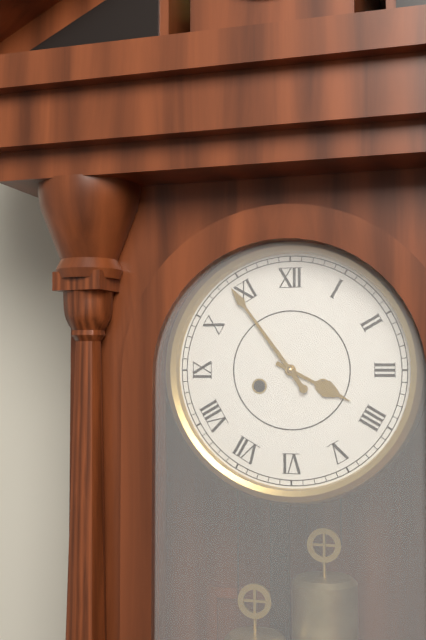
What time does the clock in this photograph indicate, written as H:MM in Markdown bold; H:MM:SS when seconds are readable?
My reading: **3:54**
